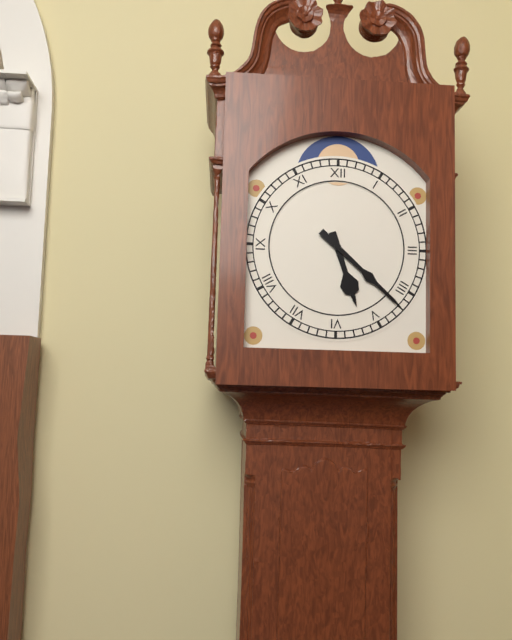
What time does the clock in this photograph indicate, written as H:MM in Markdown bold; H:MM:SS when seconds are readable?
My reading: **5:22**
